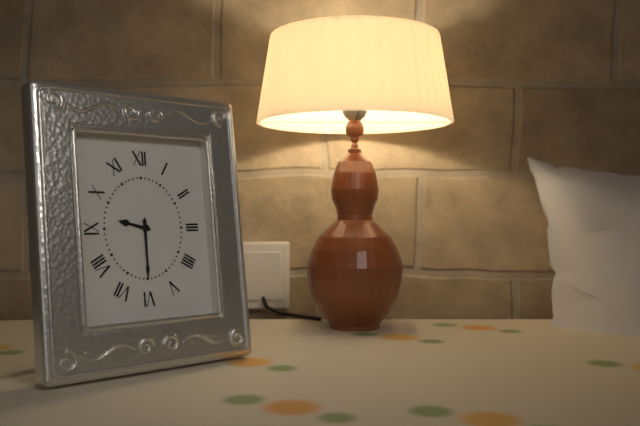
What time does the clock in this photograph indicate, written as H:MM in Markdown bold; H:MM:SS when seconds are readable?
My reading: **9:30**
